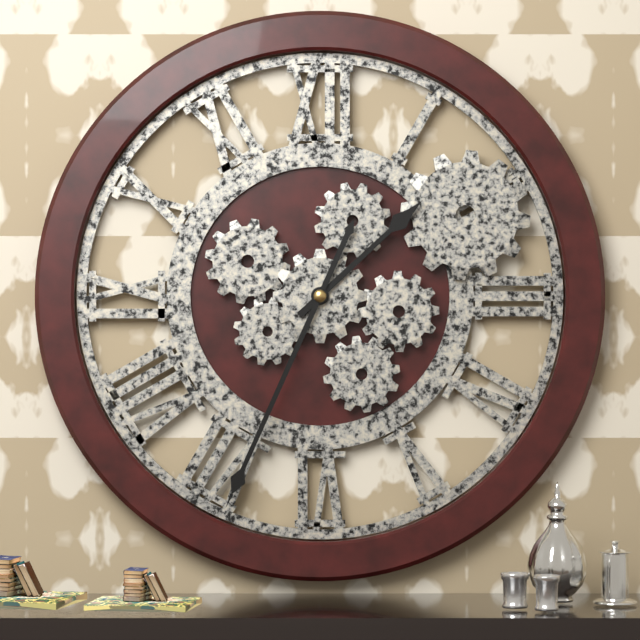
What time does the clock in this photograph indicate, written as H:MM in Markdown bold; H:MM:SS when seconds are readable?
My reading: **1:34**
